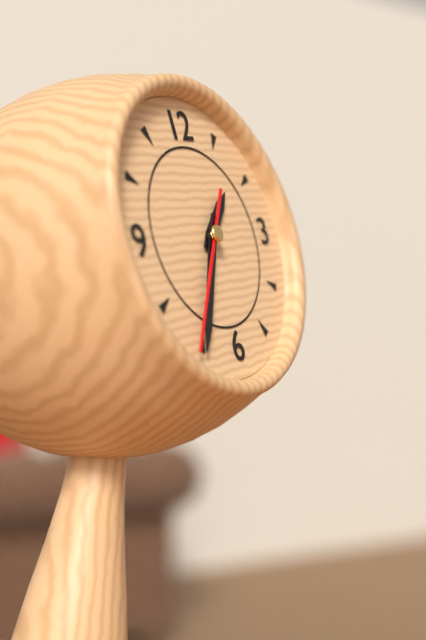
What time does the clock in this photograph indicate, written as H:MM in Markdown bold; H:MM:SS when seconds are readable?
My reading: **1:35:36**
